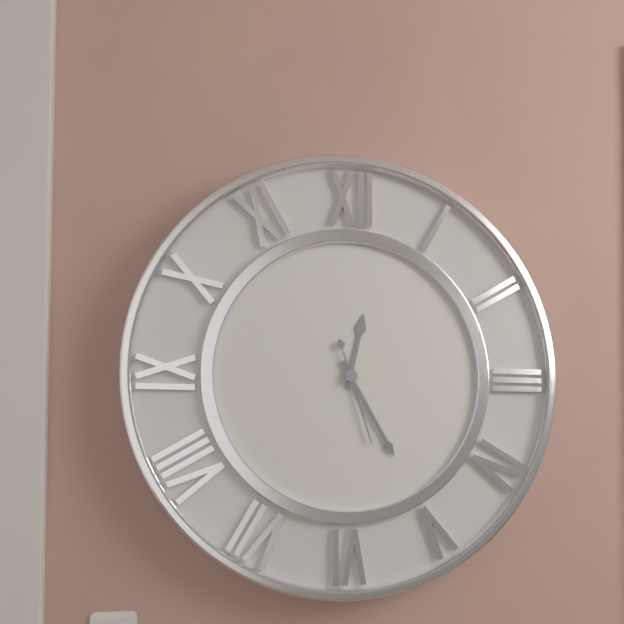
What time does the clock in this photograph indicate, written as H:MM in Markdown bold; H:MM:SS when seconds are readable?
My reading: **12:25:27**
